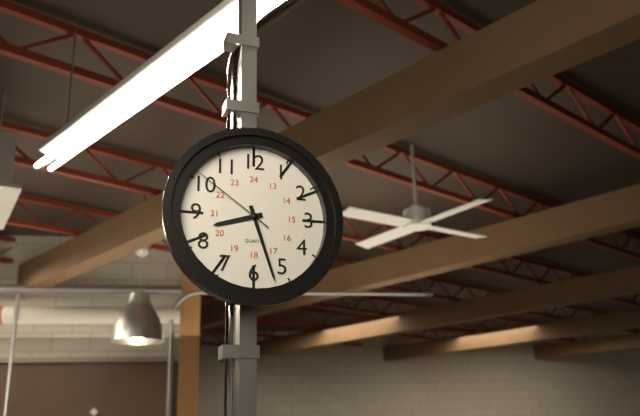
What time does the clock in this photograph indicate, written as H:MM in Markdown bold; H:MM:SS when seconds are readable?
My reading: **8:27:51**
